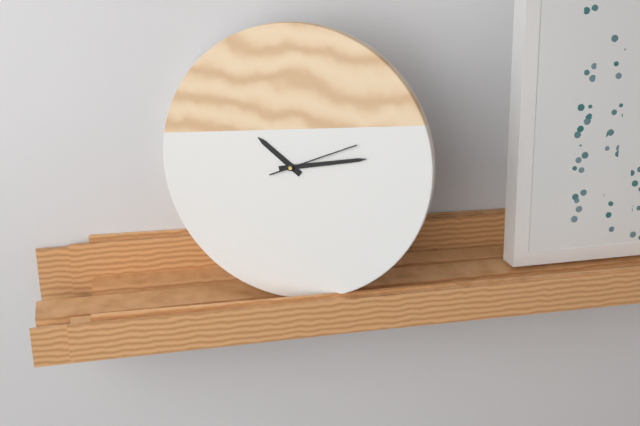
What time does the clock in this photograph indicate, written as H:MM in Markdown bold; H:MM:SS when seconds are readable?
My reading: **10:13:11**
